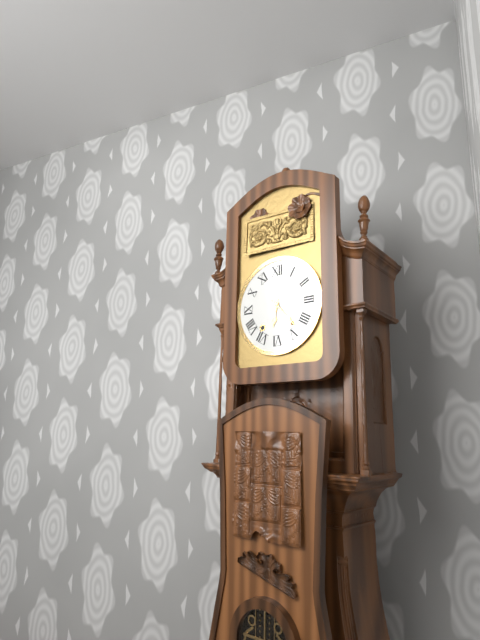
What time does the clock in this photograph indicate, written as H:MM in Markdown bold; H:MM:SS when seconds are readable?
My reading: **6:23**
